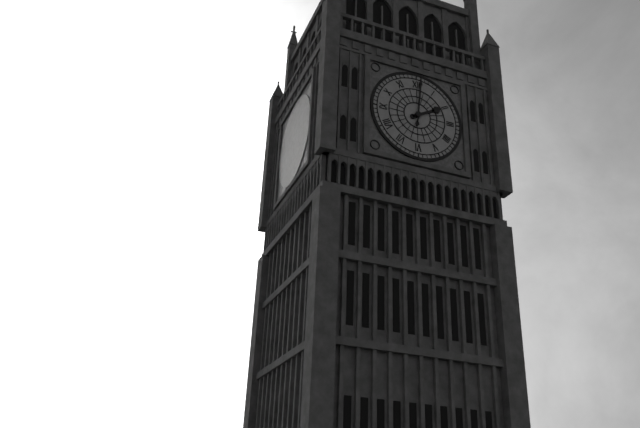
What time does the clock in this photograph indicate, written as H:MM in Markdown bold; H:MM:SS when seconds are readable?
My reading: **2:01**
